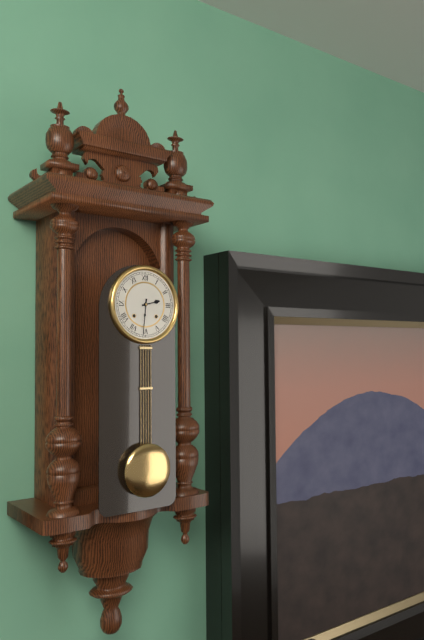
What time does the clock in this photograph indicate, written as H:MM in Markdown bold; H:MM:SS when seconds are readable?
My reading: **2:31**
